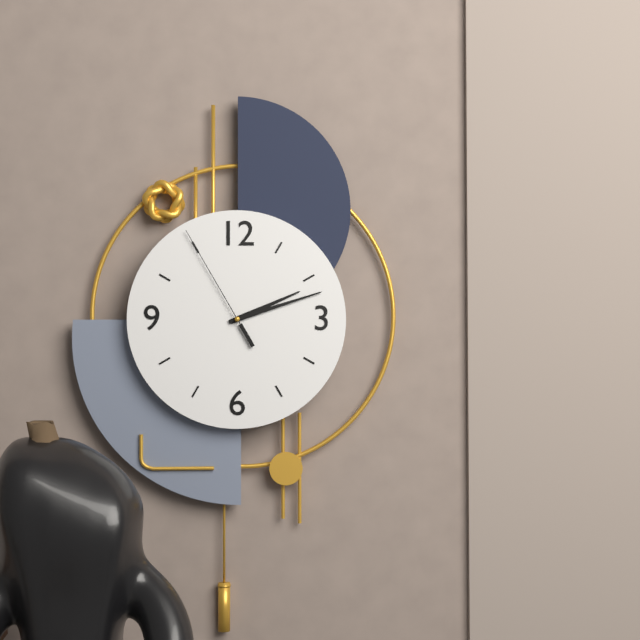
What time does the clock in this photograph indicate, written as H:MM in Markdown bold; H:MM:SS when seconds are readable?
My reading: **2:12:55**
